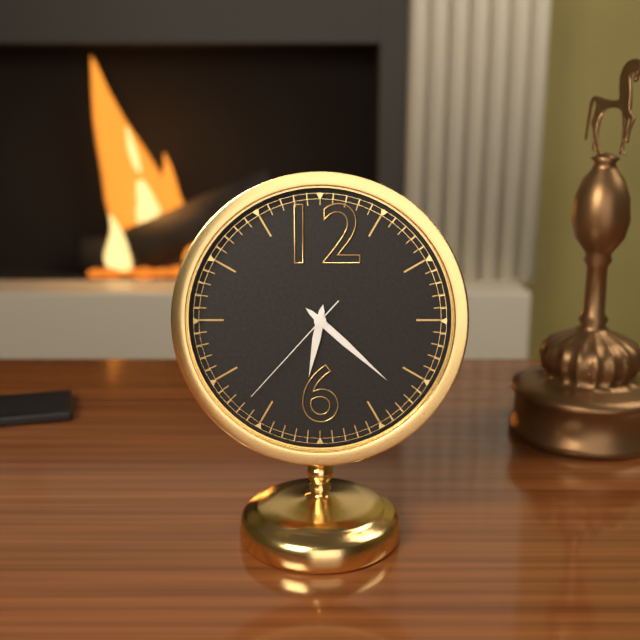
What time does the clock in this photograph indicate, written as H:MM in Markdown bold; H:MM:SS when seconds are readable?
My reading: **6:22:37**
